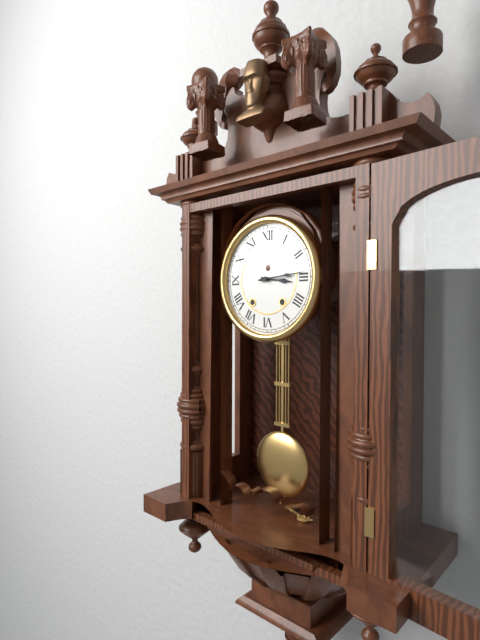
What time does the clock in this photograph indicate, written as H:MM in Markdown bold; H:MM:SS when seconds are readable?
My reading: **3:14**
